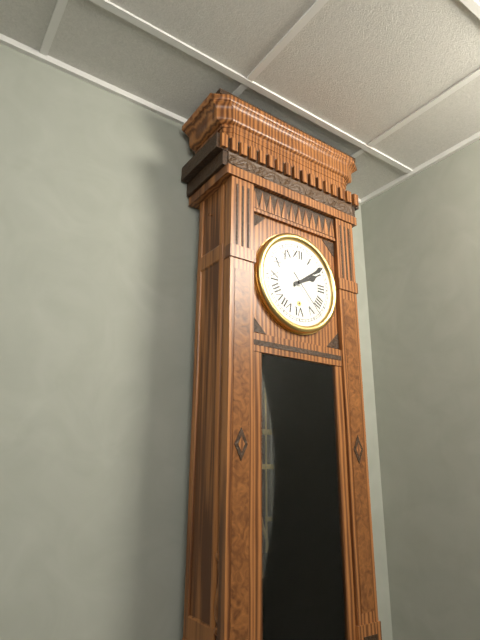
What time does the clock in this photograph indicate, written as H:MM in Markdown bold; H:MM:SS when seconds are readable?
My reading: **2:09:23**
